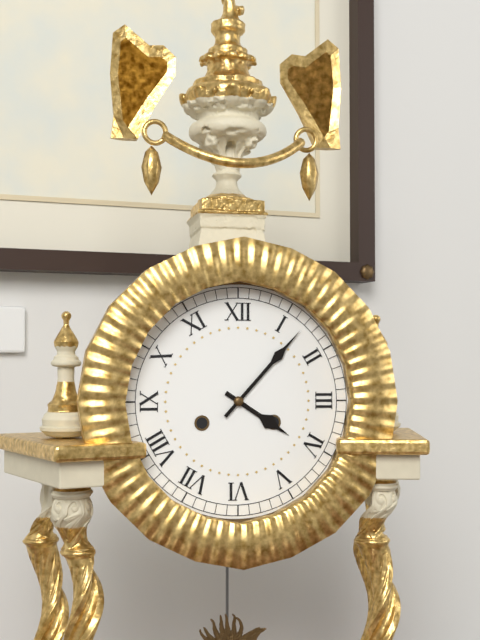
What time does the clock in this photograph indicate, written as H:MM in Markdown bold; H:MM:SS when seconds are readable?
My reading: **4:07**
